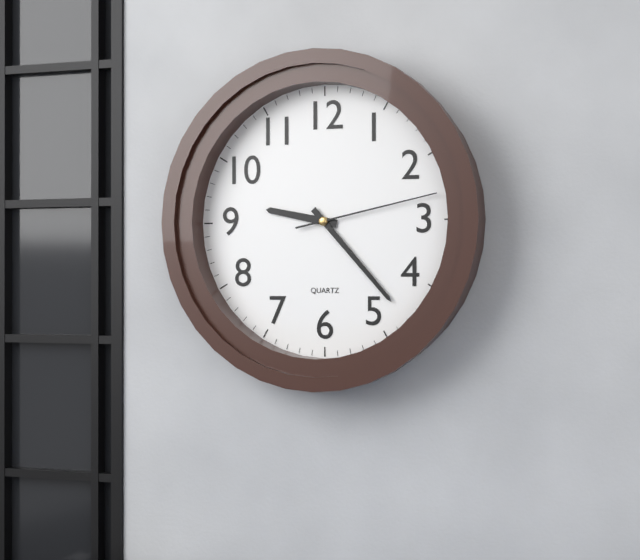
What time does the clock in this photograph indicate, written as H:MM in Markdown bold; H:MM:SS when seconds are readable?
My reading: **9:23:13**
